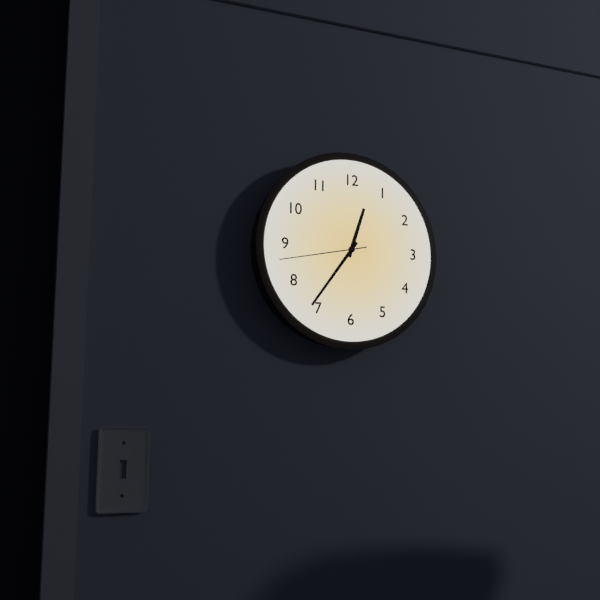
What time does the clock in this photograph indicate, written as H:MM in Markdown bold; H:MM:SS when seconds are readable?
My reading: **12:36:43**
